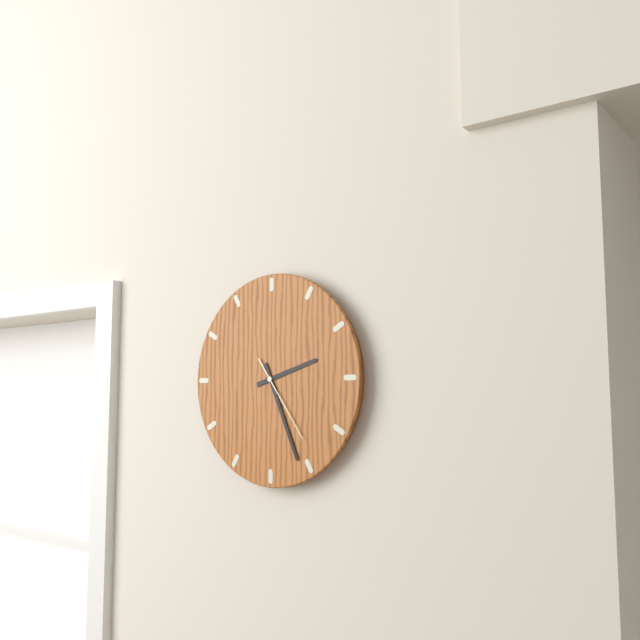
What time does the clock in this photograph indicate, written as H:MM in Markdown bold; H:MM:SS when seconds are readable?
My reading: **2:26:24**
